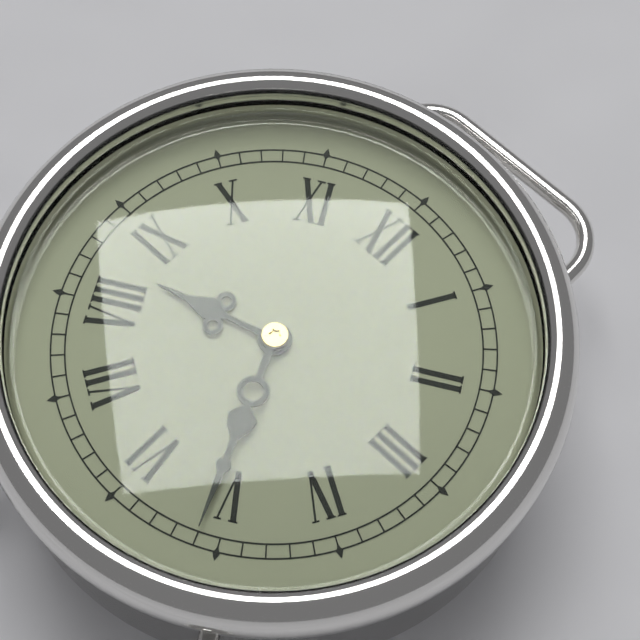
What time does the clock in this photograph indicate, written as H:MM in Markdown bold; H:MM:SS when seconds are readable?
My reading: **8:26**
